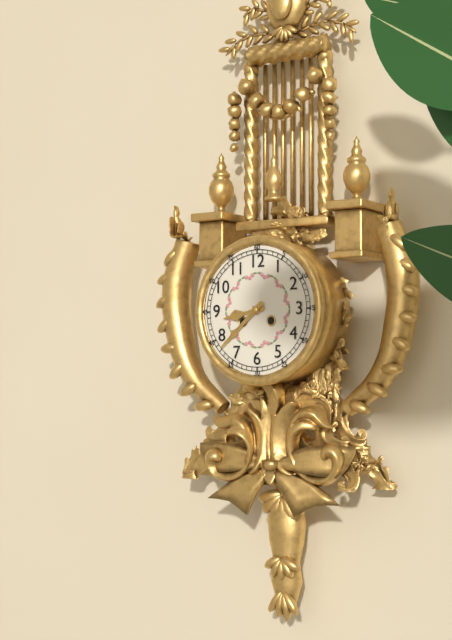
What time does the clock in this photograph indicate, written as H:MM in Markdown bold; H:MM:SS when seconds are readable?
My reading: **8:38**
